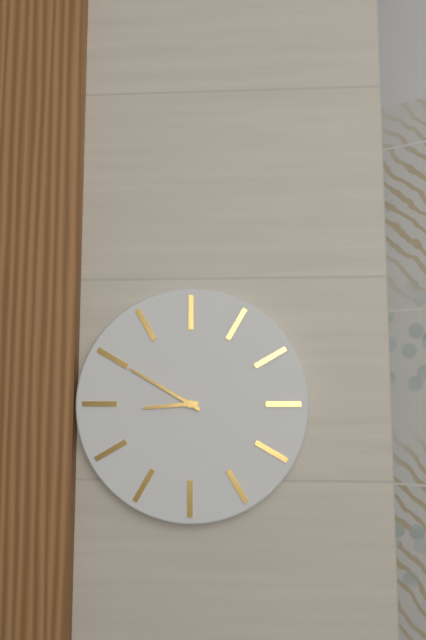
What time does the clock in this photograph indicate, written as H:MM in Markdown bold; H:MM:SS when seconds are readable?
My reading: **8:50**
